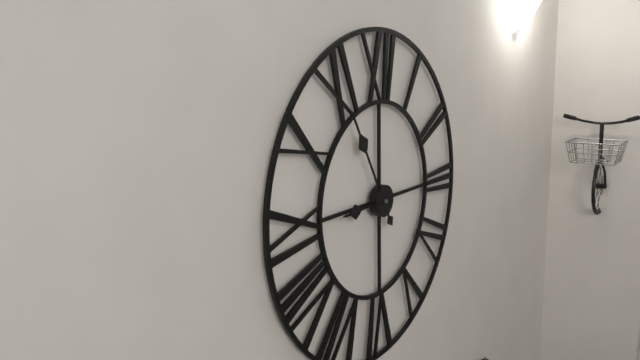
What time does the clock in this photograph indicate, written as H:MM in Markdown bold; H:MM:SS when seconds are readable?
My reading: **8:55**
